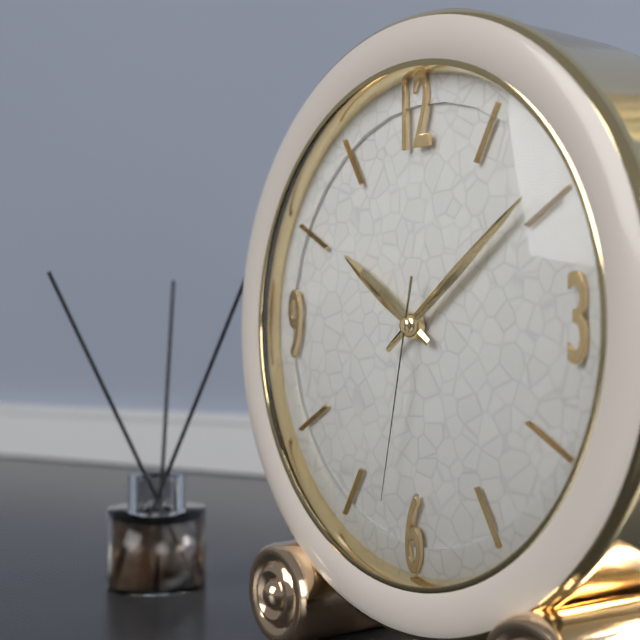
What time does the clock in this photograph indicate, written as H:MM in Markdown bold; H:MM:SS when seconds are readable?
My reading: **10:09:32**
